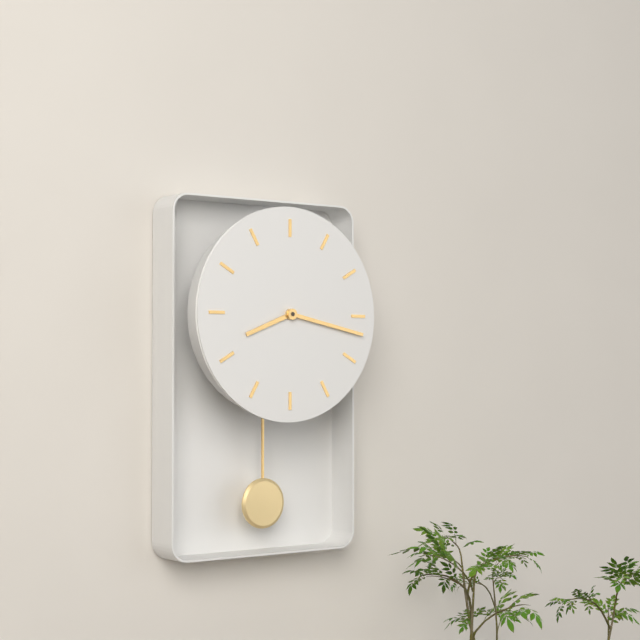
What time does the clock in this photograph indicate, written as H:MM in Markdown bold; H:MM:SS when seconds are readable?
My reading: **8:17**
